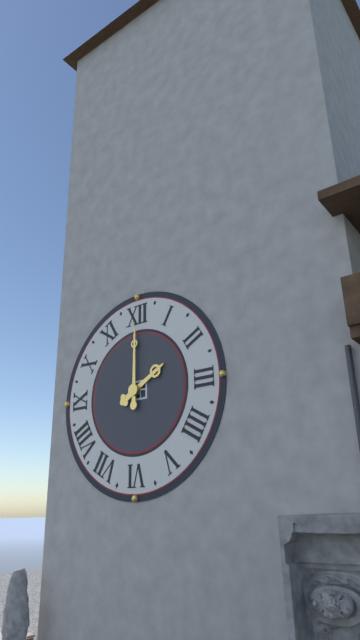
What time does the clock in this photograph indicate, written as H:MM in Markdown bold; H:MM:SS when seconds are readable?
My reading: **2:00**
